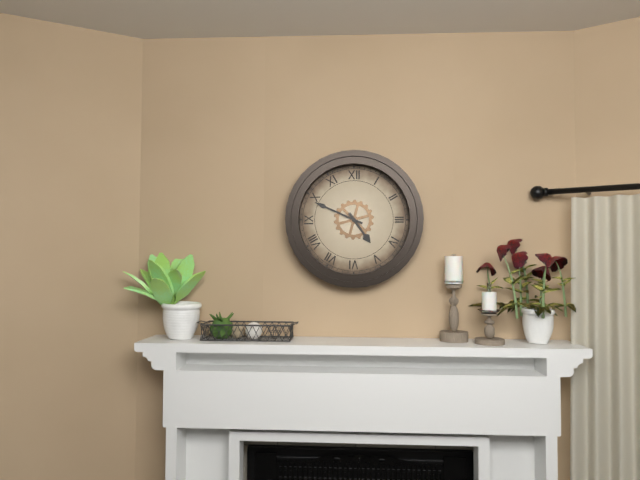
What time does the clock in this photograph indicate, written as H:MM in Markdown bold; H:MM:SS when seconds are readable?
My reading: **4:49**
